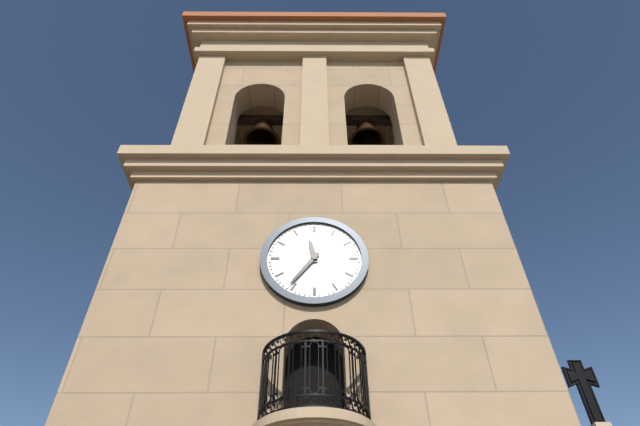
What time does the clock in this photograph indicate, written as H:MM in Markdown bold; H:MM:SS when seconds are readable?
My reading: **11:36**
